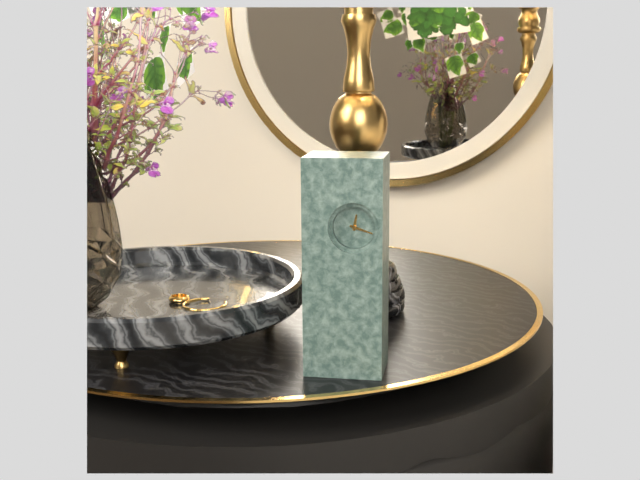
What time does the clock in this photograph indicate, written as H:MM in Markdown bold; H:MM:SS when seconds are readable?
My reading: **12:18**
